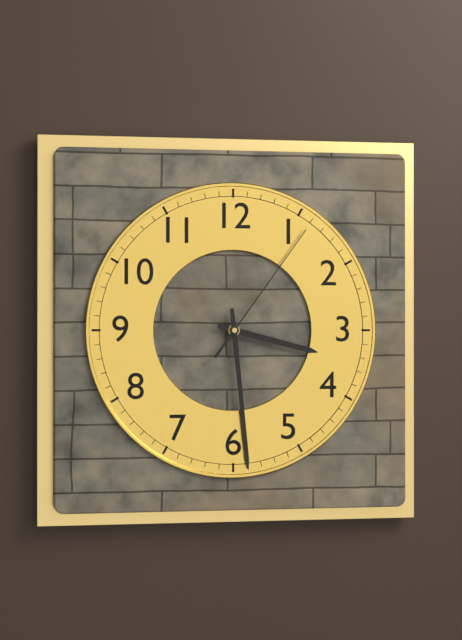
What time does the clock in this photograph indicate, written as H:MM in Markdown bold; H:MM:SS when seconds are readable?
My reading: **3:29:06**
